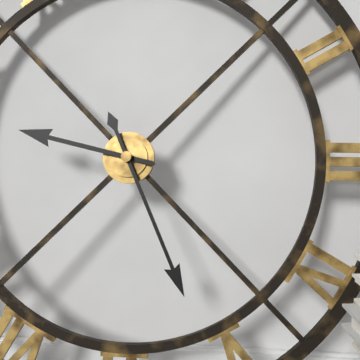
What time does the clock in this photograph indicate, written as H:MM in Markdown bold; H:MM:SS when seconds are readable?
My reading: **9:26**
